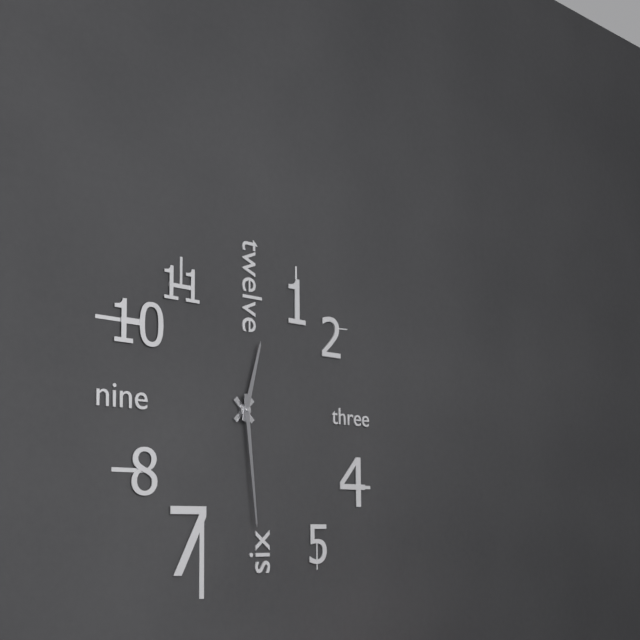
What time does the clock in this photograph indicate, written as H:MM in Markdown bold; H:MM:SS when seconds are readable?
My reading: **12:29**
